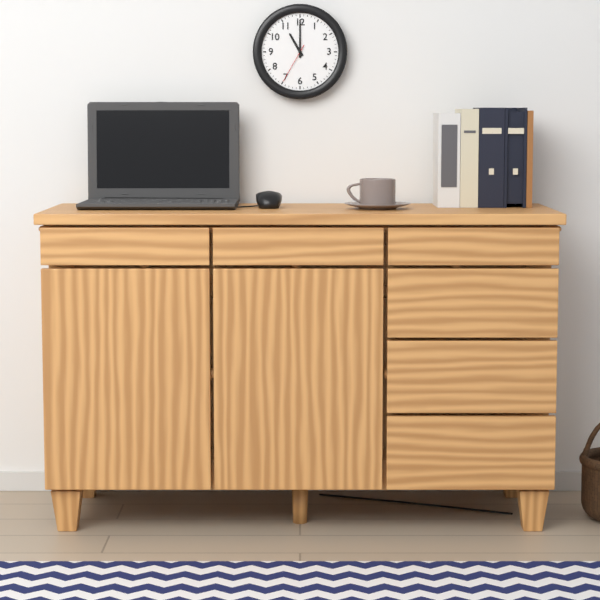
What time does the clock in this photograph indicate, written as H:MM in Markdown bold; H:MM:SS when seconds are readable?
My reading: **11:00**
